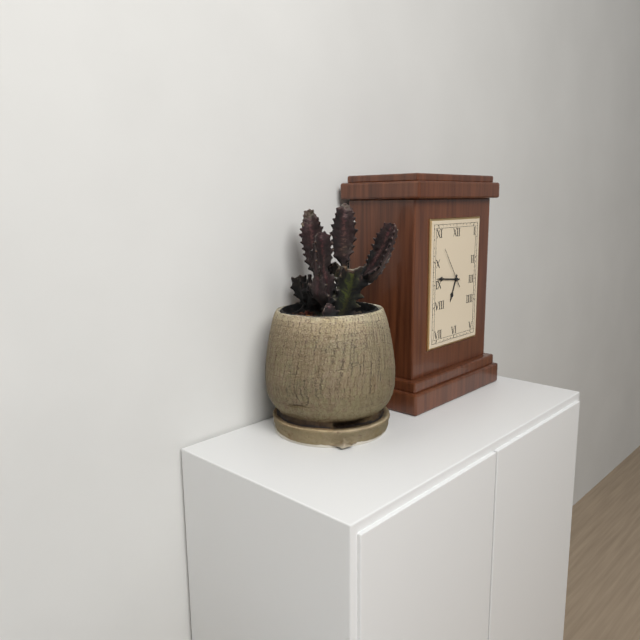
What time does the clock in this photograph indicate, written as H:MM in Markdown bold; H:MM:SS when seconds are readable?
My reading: **6:46:54**
